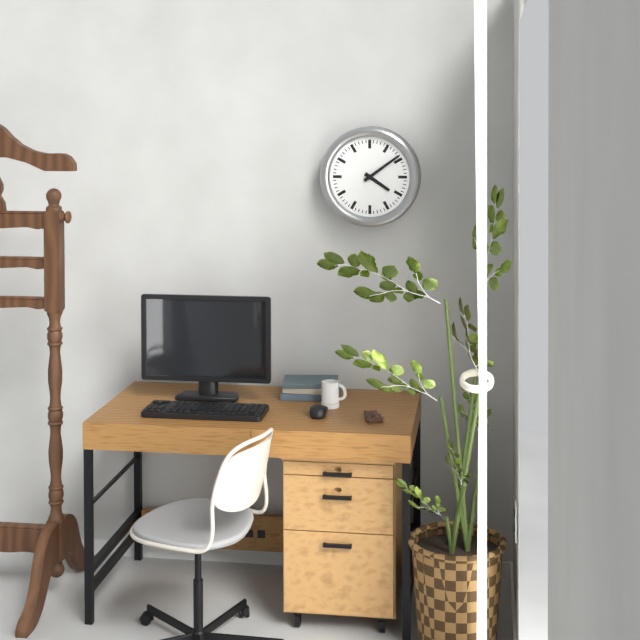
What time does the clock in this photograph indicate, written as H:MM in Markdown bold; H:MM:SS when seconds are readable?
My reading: **4:09**
